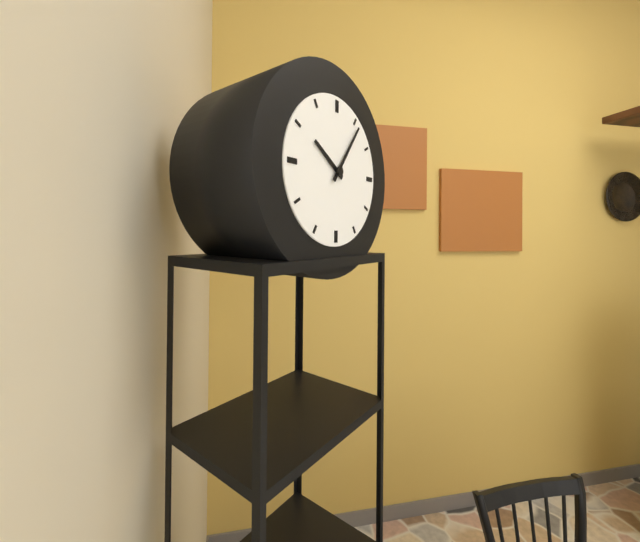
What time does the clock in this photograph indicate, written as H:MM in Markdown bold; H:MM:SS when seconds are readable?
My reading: **10:06**
